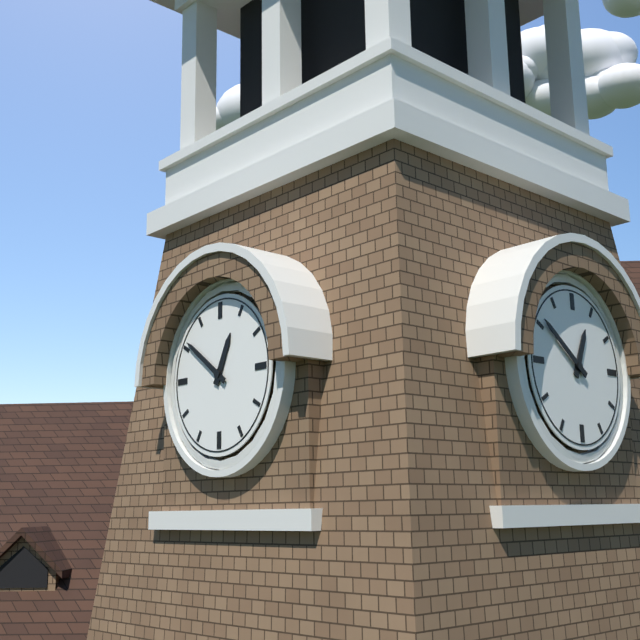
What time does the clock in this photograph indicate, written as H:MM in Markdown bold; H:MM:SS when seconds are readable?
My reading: **12:51**
